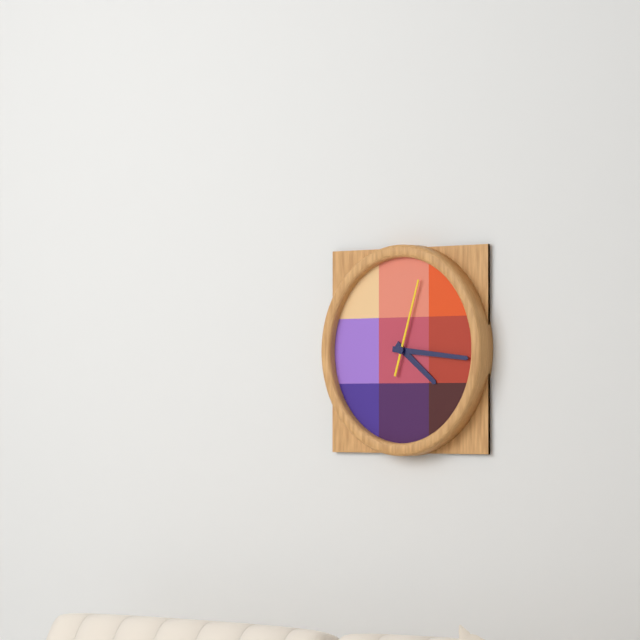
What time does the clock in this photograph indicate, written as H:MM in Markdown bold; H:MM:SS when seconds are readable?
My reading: **4:16:03**
